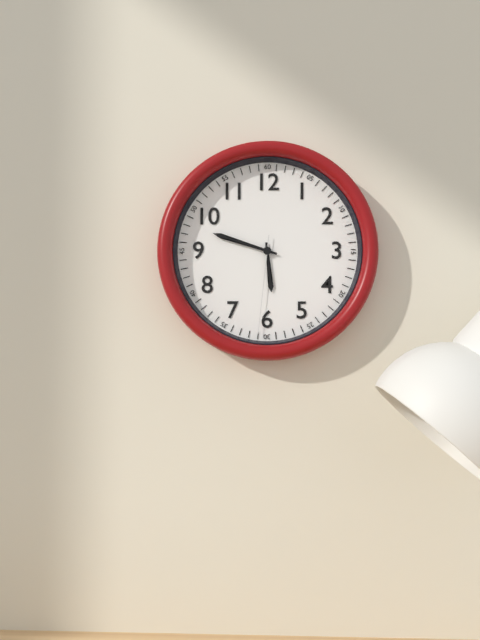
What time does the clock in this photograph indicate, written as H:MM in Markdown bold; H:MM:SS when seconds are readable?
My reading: **5:48:31**
